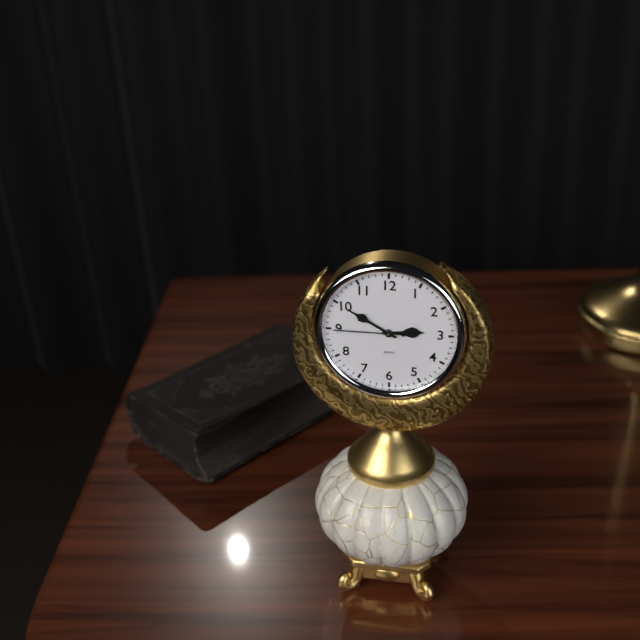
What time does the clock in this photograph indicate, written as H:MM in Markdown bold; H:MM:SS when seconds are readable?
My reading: **2:50:45**
